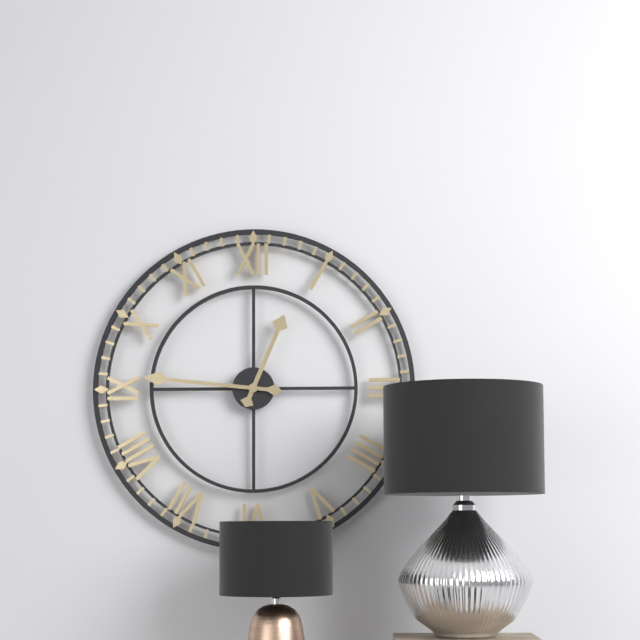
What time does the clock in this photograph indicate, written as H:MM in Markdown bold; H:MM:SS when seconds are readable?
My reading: **12:46**
